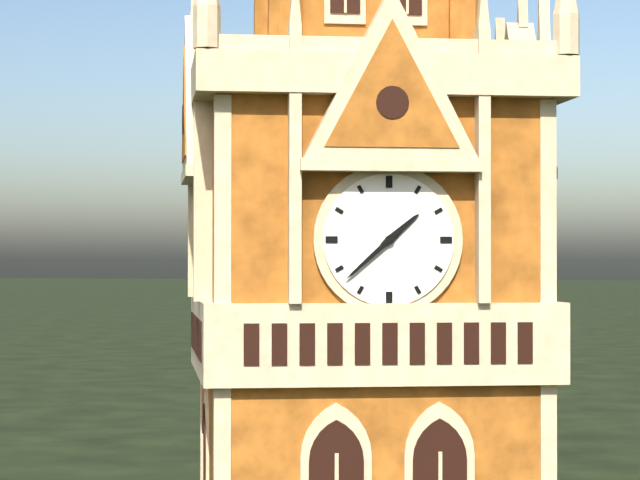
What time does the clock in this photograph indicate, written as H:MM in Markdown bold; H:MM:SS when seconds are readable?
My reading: **1:38**
